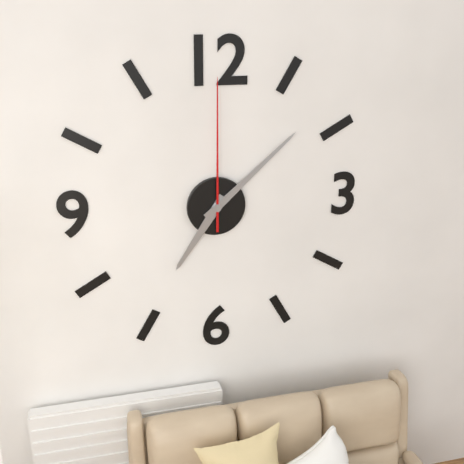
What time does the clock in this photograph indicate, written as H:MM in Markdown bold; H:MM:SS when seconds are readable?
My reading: **7:08:00**
